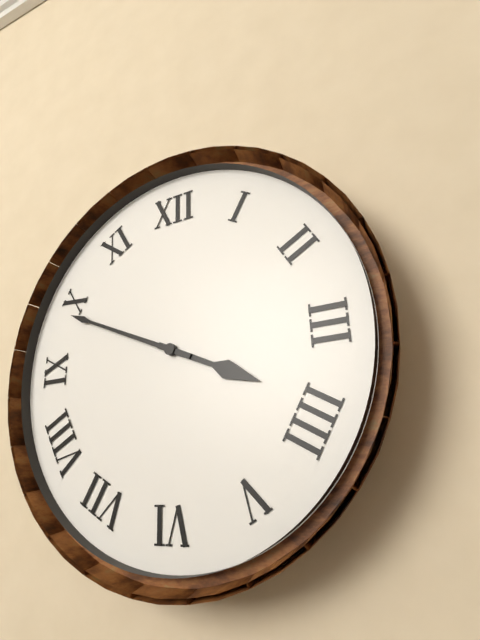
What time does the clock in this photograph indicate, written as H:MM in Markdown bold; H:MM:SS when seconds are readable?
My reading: **3:49**
